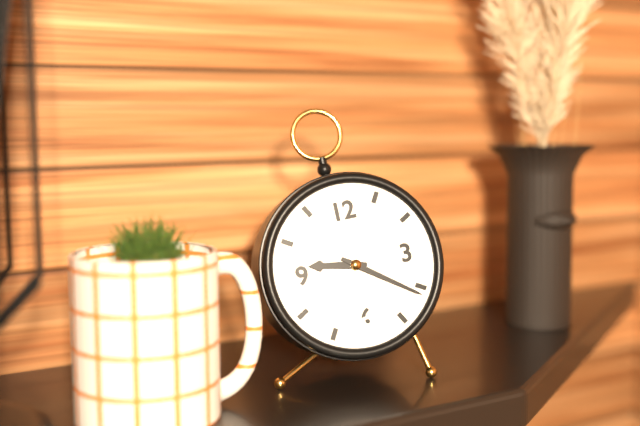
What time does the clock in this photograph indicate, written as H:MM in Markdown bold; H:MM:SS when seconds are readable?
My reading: **9:21**
